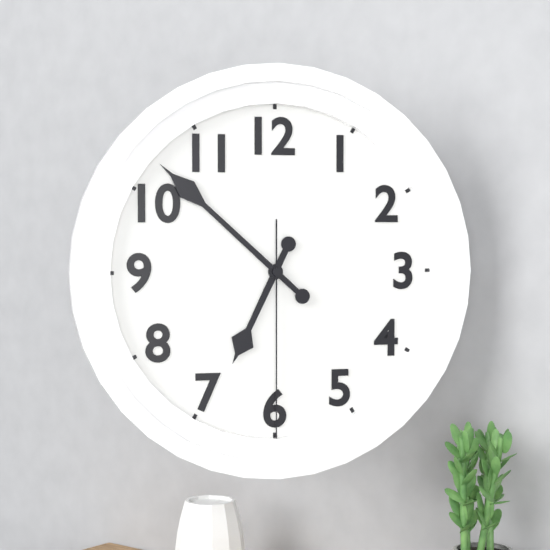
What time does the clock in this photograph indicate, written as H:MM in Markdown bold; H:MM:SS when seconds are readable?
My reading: **6:52:30**
